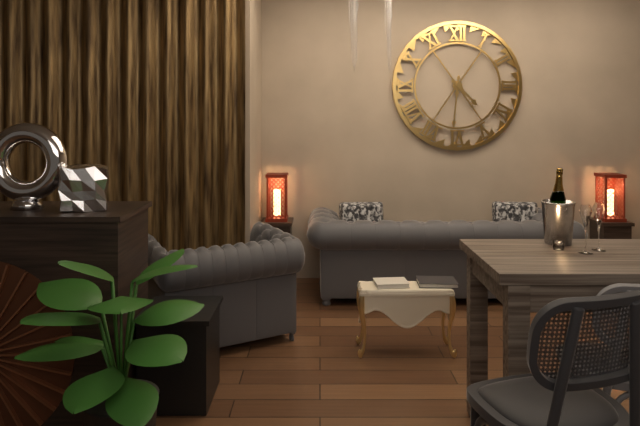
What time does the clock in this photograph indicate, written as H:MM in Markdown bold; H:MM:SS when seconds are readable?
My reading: **4:31**
